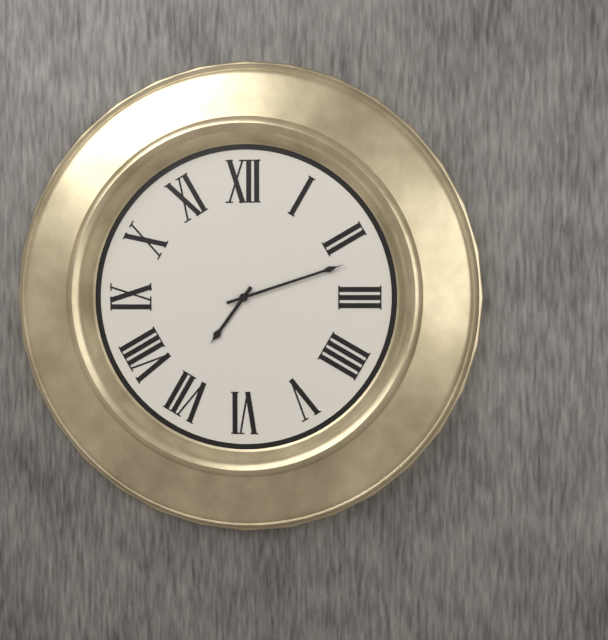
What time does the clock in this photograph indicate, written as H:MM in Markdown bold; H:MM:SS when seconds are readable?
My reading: **7:12**
